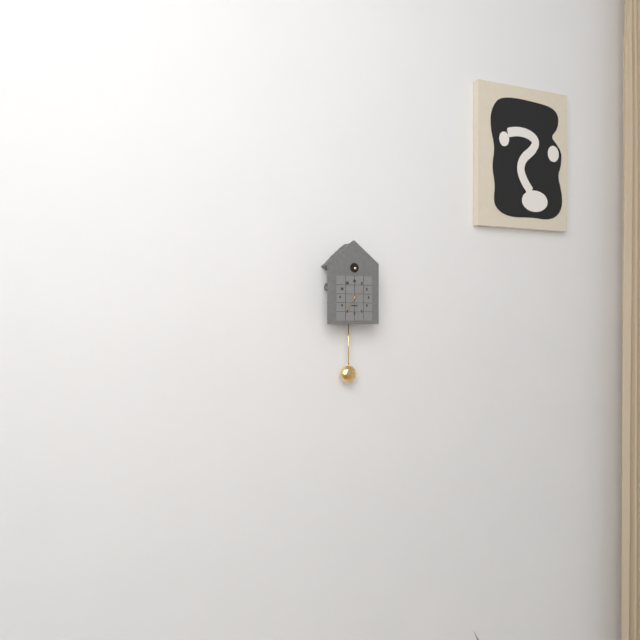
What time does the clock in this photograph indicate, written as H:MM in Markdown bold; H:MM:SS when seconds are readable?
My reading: **1:36**
